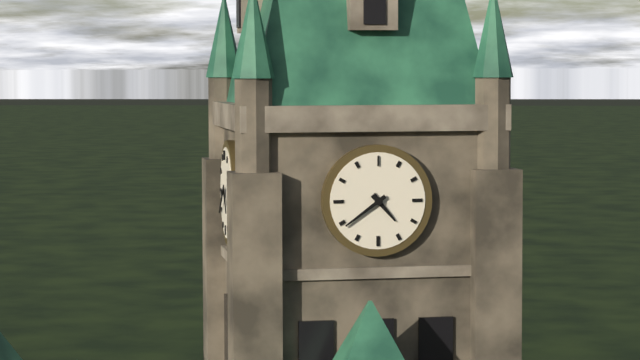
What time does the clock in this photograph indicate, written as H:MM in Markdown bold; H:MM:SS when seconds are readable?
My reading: **4:39**
